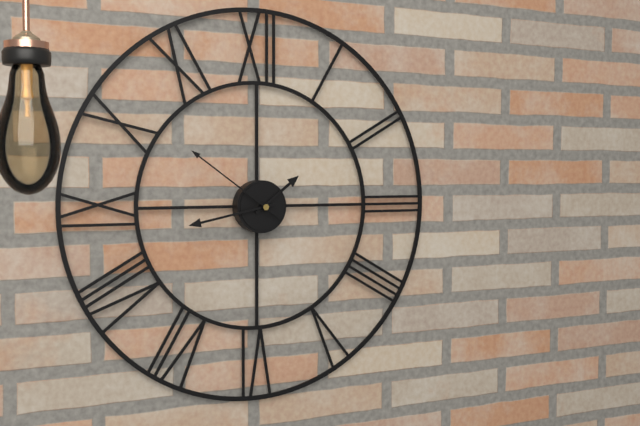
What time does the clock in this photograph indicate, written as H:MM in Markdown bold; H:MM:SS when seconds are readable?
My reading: **1:43:51**
